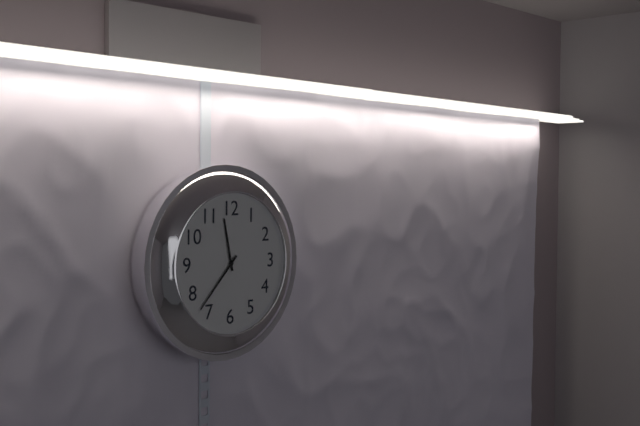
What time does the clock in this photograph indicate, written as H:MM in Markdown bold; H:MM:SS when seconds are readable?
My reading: **11:37**
